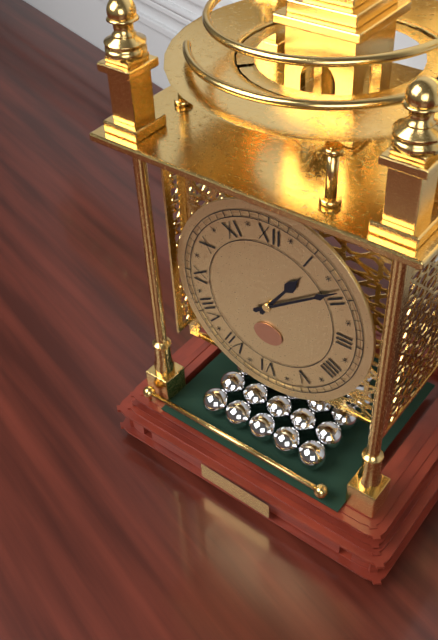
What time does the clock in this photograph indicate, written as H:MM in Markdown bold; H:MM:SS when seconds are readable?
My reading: **1:09**
